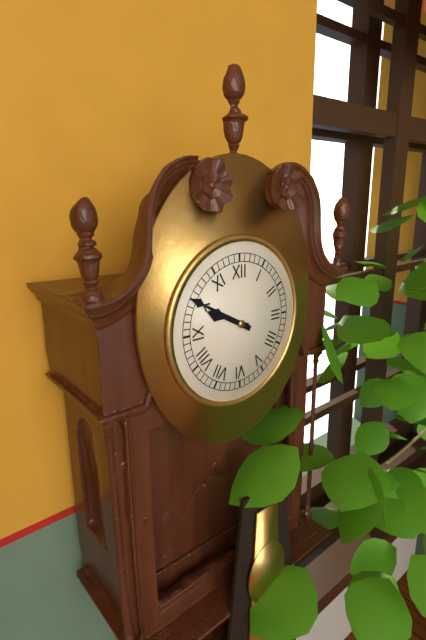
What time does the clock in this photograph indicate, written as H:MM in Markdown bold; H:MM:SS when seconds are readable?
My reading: **9:50**
